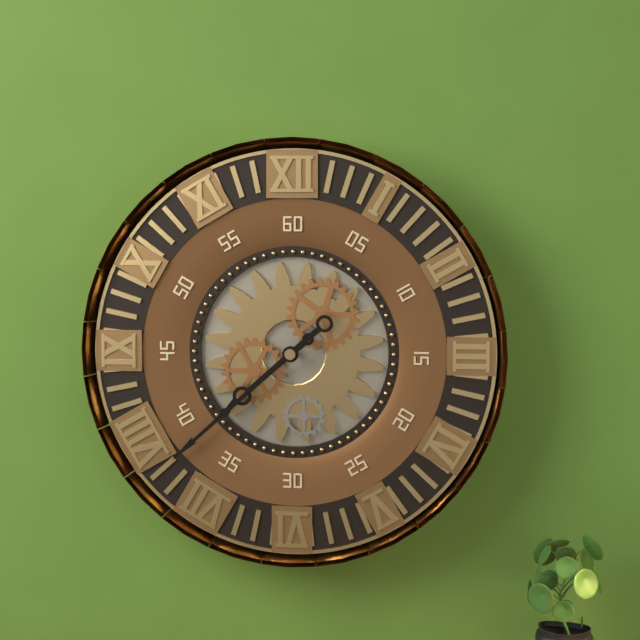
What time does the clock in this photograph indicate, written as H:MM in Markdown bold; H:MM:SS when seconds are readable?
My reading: **7:38**
